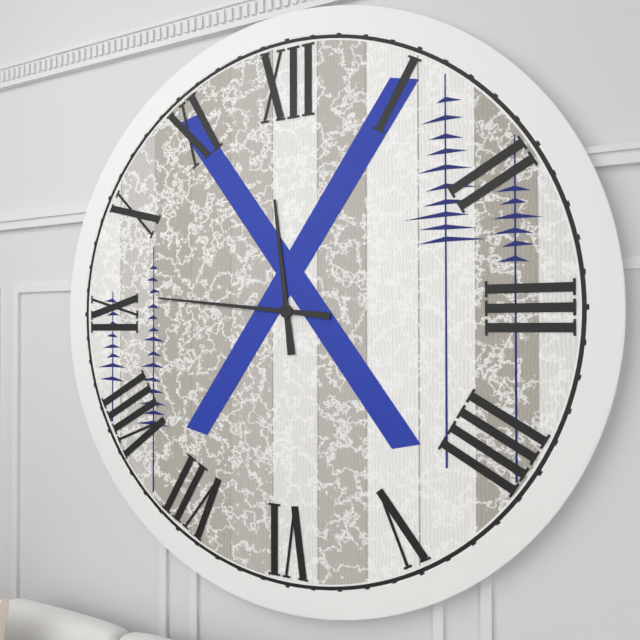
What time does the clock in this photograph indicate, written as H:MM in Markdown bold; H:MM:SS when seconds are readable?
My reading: **11:46**
